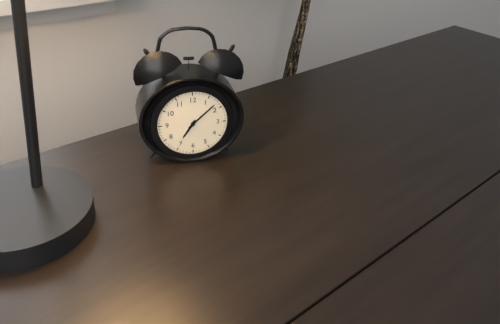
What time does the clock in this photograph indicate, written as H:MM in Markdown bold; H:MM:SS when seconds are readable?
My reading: **7:08**
